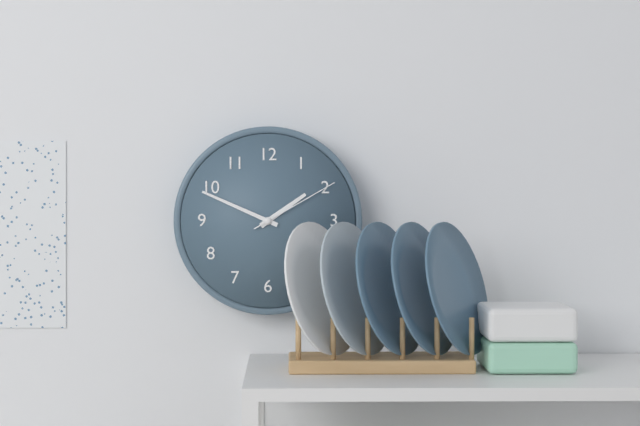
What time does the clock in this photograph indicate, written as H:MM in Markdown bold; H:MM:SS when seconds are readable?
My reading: **1:49:10**
